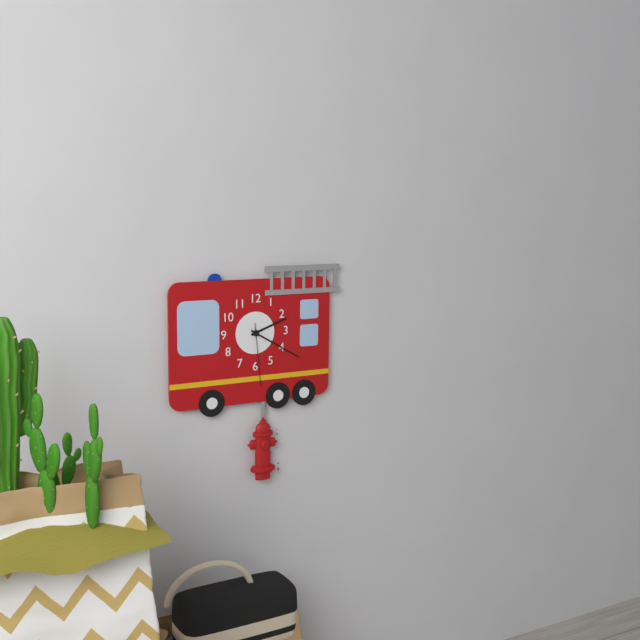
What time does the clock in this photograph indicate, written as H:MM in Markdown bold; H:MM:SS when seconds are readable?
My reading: **2:20:29**
